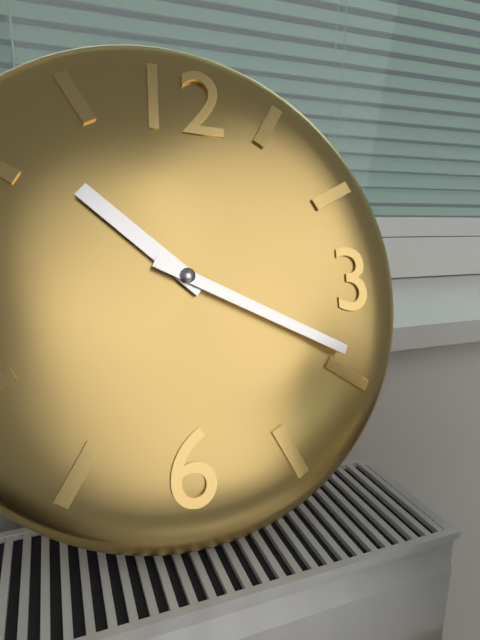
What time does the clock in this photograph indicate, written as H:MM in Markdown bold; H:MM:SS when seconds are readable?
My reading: **10:19**
